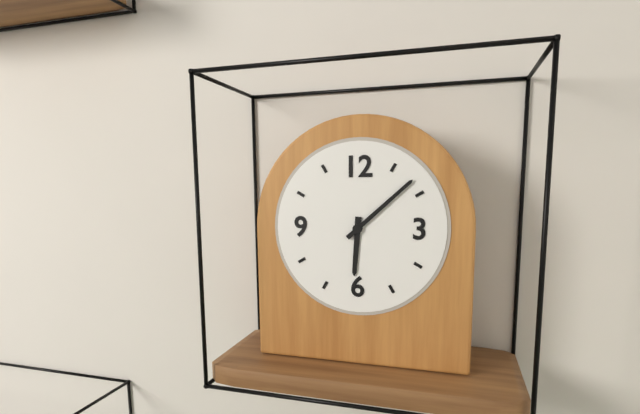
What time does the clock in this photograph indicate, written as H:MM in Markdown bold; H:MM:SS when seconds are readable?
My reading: **6:08**
